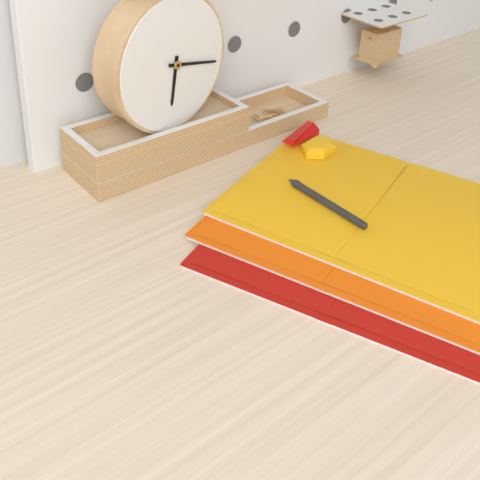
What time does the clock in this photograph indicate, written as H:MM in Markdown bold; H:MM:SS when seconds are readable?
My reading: **6:17**
